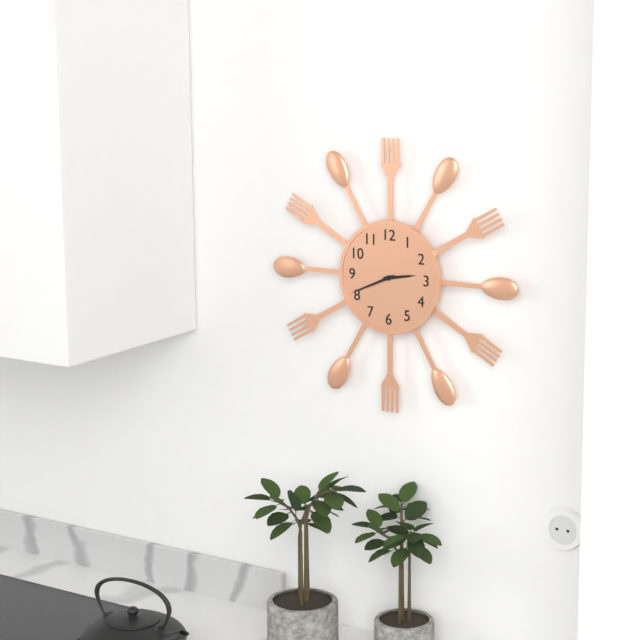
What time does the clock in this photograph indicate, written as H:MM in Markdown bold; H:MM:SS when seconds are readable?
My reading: **2:41**
